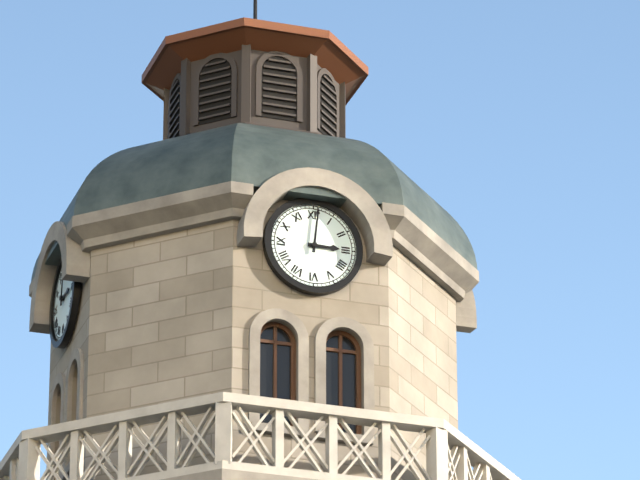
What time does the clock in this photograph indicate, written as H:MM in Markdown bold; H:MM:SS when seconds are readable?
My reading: **3:01**
